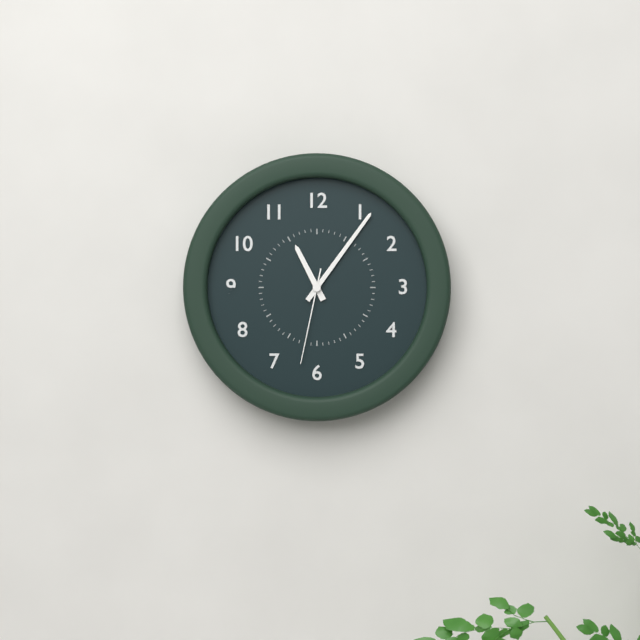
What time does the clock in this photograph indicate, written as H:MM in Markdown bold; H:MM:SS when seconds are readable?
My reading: **11:06:32**
